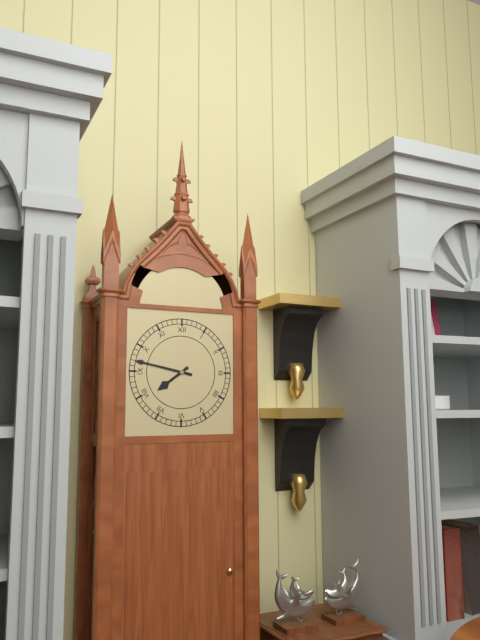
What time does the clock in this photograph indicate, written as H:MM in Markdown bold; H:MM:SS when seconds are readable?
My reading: **7:47**
